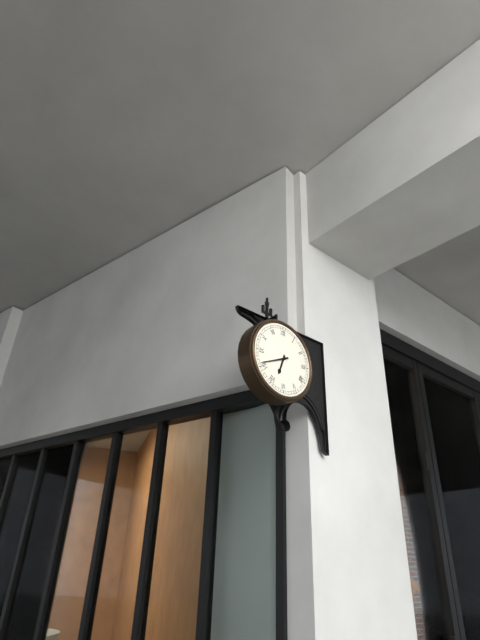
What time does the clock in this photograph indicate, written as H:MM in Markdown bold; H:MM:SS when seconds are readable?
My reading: **6:41**
